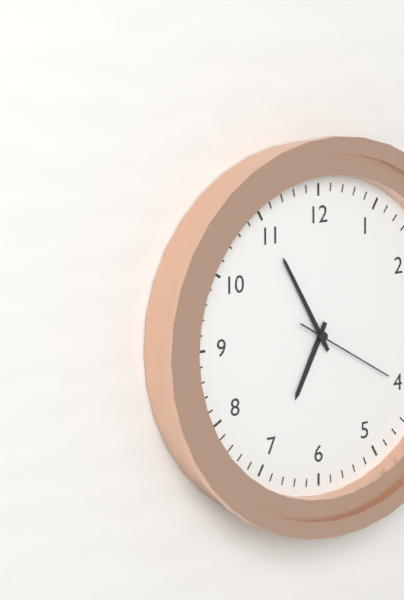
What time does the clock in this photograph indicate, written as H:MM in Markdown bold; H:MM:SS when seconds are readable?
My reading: **6:55:20**
